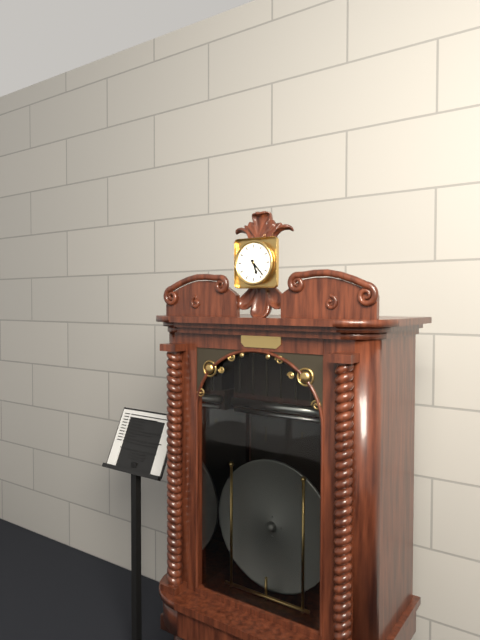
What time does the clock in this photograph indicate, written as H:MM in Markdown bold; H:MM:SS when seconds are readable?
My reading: **5:23**
